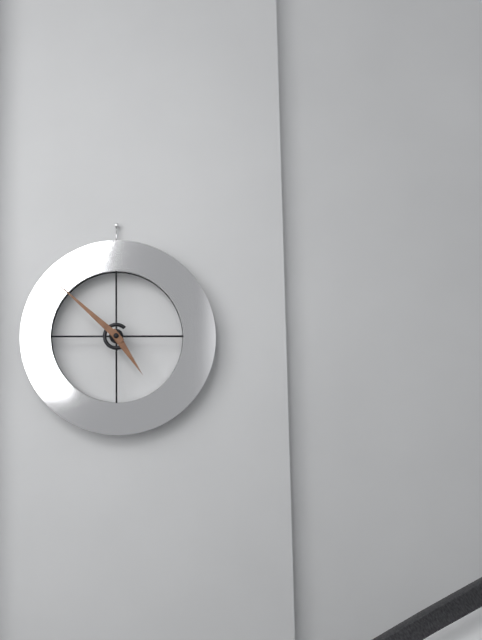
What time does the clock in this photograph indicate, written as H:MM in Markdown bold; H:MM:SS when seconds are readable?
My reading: **4:52**
